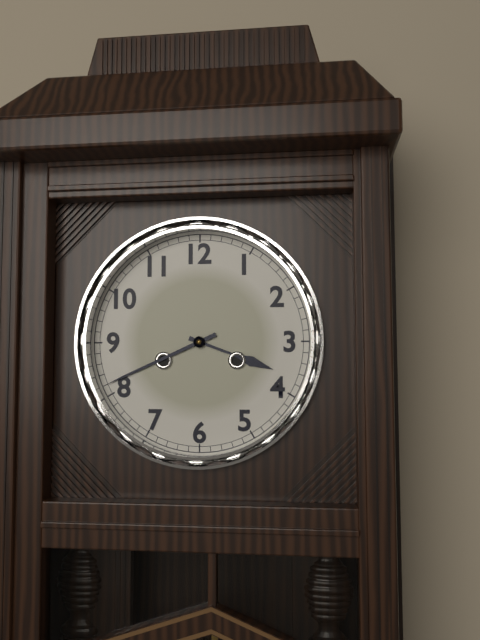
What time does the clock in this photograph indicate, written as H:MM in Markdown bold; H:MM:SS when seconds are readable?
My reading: **3:41**
